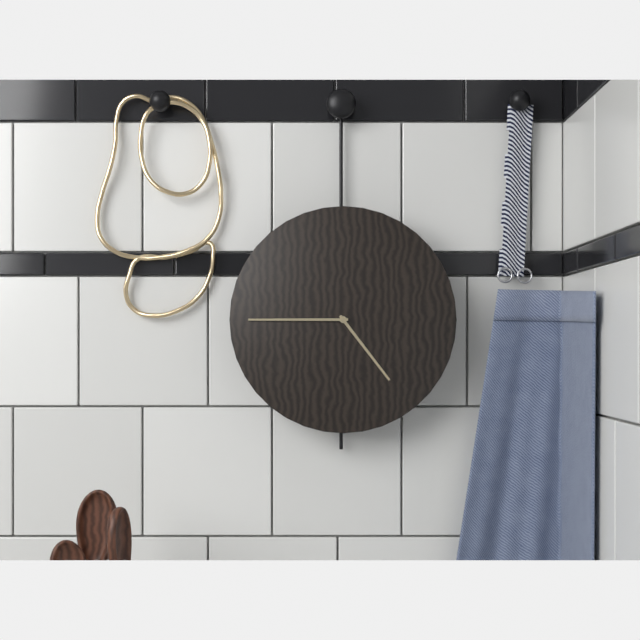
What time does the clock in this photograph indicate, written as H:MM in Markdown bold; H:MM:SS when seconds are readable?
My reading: **4:45**
